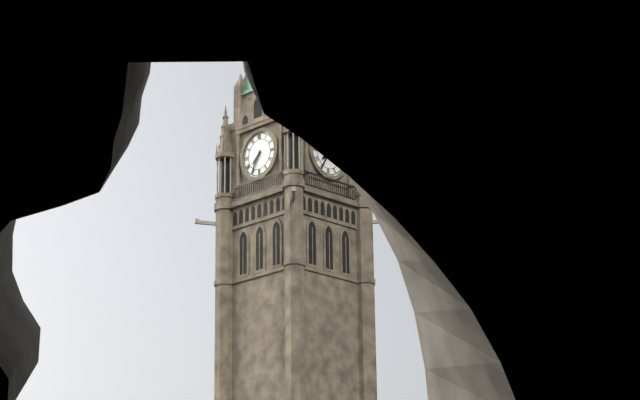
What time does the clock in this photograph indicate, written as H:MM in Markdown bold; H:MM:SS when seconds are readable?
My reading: **7:35**
